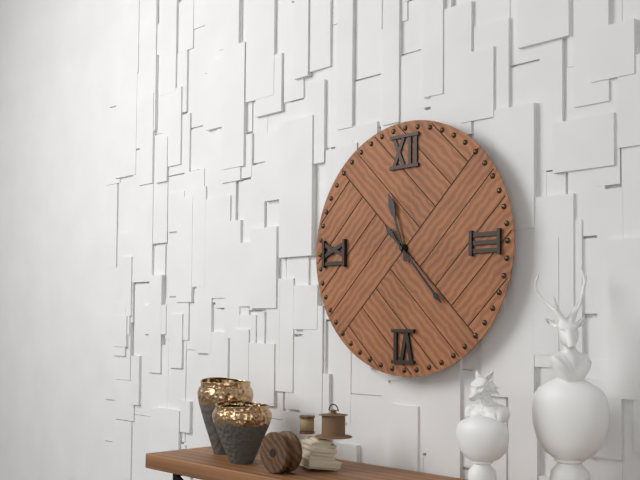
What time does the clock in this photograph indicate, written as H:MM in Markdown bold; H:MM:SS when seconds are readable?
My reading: **11:23**
